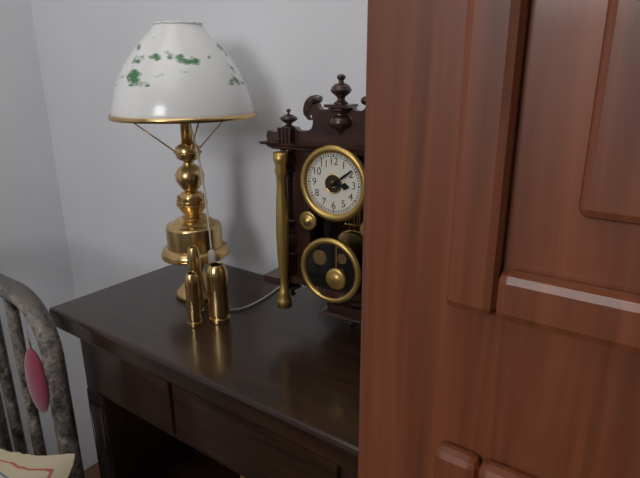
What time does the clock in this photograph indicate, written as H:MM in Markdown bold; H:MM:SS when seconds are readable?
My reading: **3:09**
